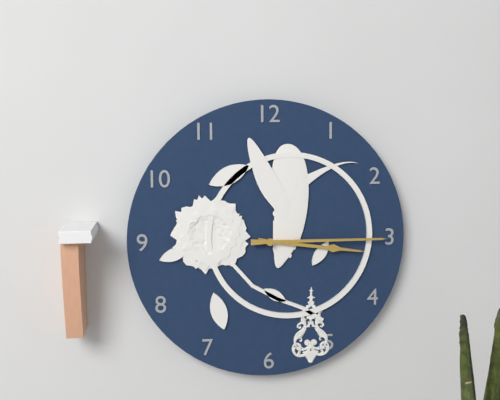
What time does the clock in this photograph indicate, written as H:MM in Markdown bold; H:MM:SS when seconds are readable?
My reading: **3:15**
